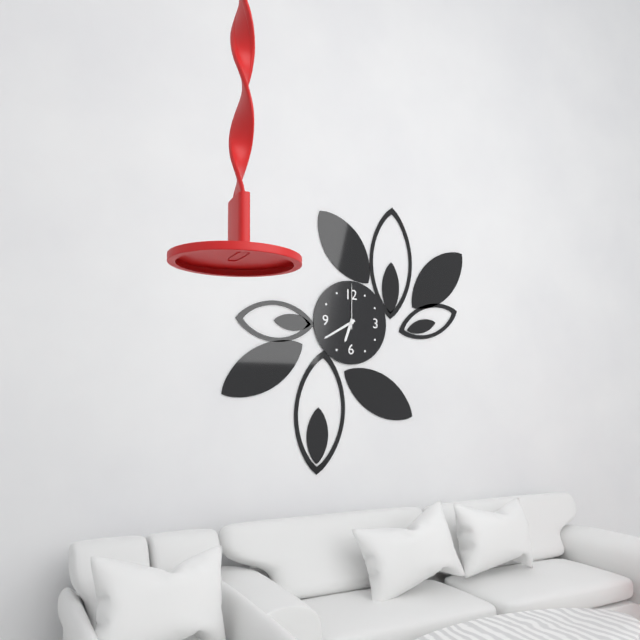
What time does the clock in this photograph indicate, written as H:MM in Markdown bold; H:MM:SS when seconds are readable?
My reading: **6:40**
